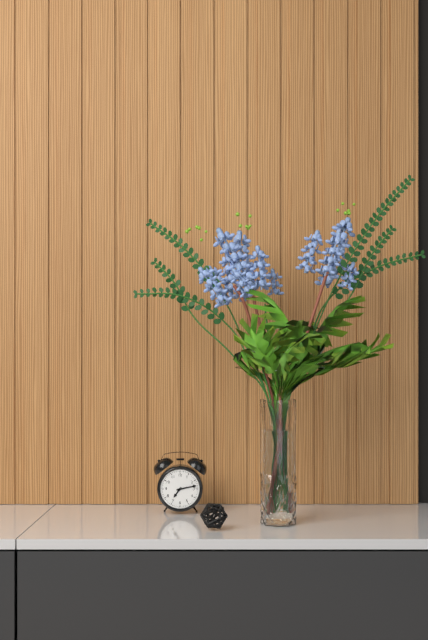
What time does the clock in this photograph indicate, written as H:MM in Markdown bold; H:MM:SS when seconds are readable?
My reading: **7:13**
